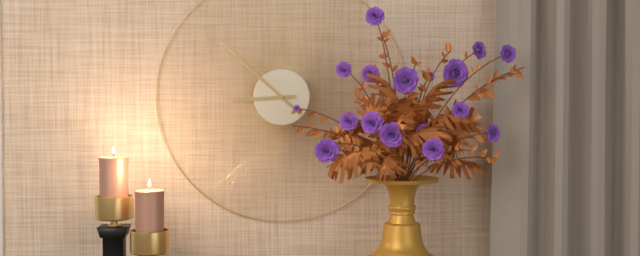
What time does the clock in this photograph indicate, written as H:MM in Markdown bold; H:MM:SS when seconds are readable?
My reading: **8:52**
